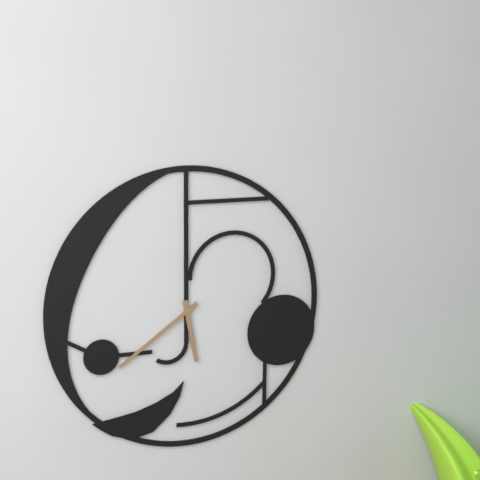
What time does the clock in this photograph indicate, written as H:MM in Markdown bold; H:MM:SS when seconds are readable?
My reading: **5:39**
